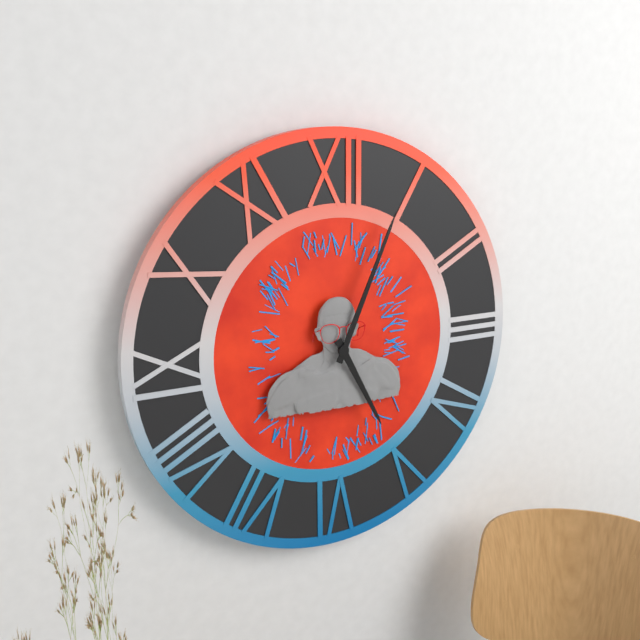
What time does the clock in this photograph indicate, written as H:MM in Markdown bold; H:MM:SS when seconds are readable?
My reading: **5:04**
